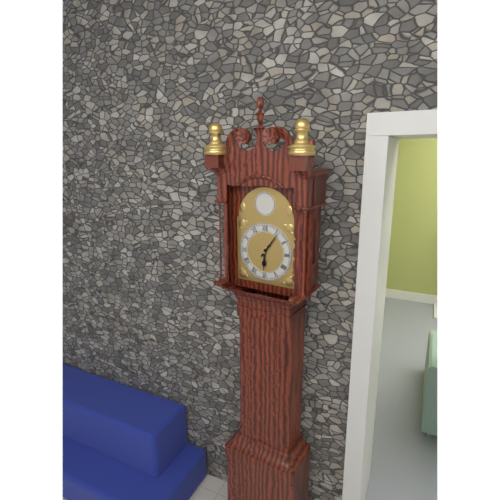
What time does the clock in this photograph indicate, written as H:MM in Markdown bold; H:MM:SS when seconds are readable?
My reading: **6:06**
